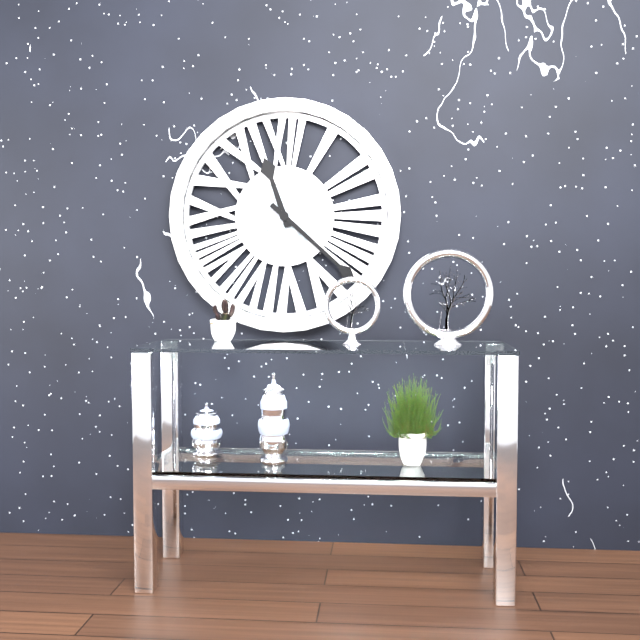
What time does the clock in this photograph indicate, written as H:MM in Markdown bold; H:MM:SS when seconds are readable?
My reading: **11:22**
